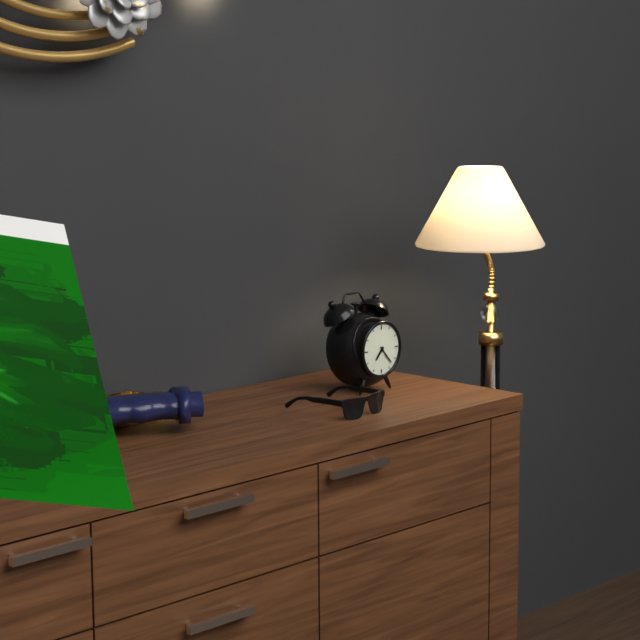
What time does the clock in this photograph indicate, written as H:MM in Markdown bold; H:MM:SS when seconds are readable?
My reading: **7:23**
